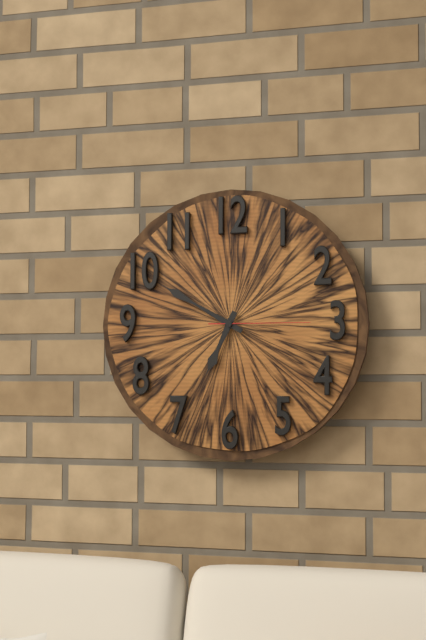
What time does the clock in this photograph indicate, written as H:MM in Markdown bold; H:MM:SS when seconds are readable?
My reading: **6:50:15**
